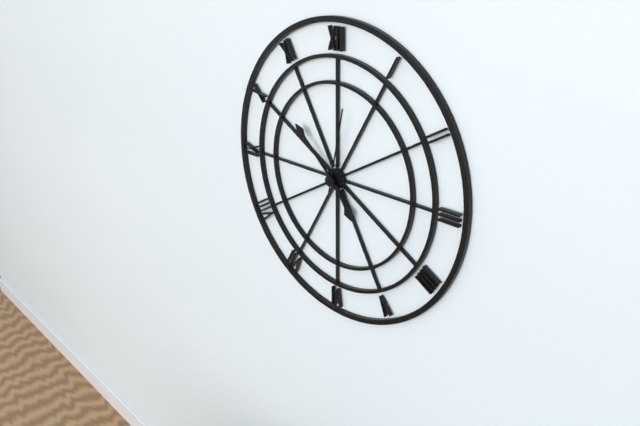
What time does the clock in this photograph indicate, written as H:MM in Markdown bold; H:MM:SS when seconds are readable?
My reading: **4:52:02**
